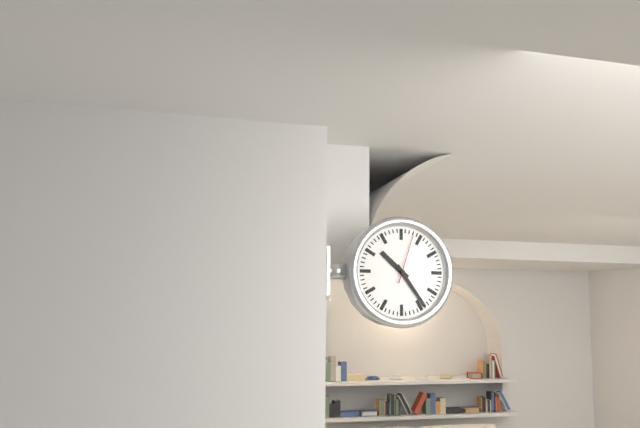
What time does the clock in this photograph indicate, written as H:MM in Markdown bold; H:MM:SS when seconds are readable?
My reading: **10:24**
